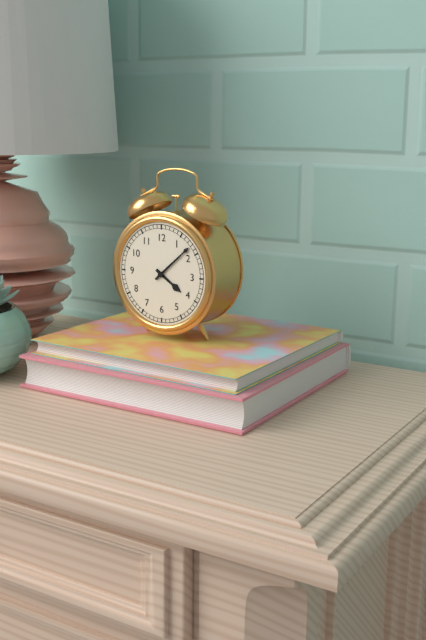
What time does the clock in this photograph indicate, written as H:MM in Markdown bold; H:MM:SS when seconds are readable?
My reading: **4:08**
